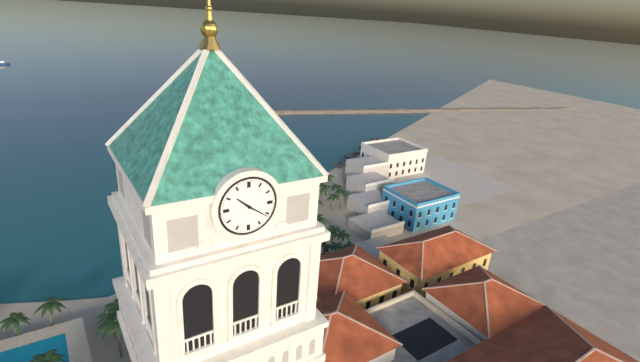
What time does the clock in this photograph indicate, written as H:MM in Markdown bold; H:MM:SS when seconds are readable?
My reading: **10:21**
